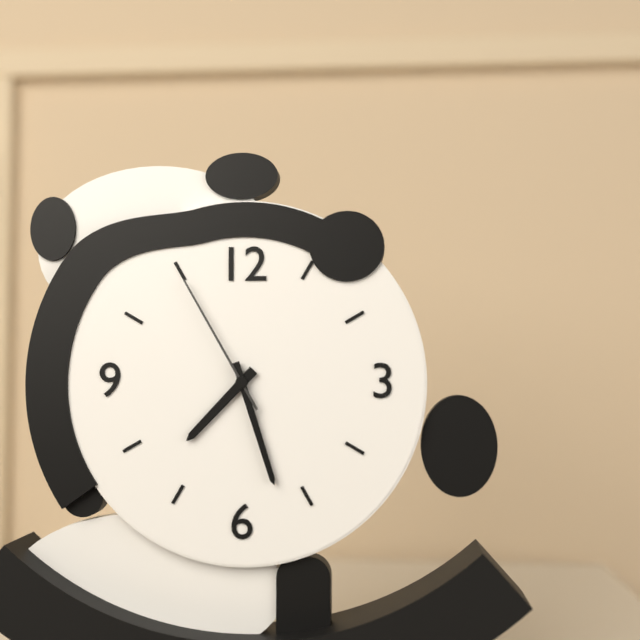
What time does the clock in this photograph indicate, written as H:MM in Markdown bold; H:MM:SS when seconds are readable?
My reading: **7:27:55**
